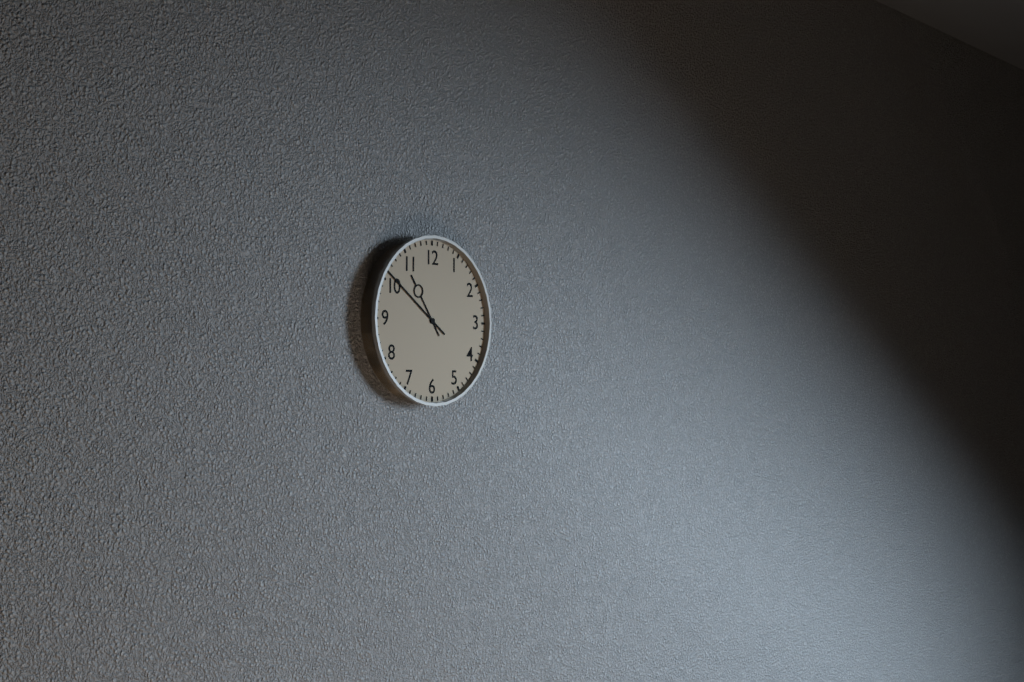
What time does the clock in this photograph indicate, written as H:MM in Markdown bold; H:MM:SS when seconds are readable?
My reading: **10:51**
